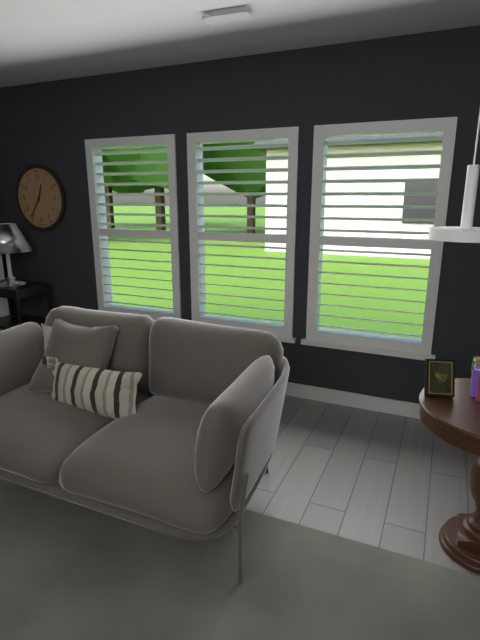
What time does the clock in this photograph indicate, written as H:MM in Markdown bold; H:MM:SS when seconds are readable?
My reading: **12:36**
